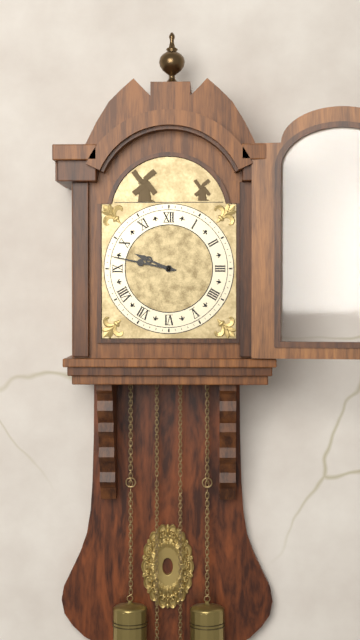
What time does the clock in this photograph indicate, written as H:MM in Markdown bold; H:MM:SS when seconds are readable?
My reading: **9:47**
